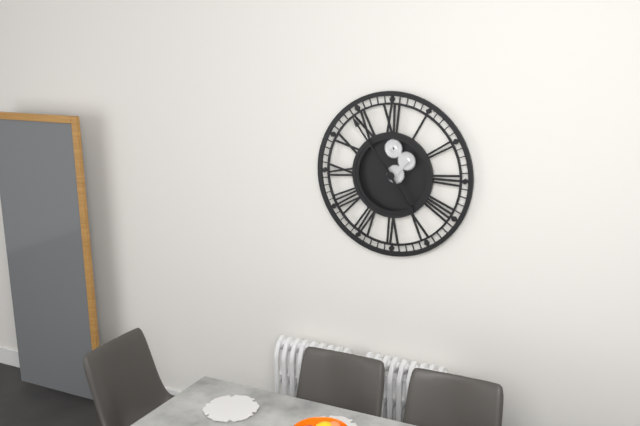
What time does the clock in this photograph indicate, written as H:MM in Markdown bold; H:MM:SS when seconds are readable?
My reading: **4:54**
